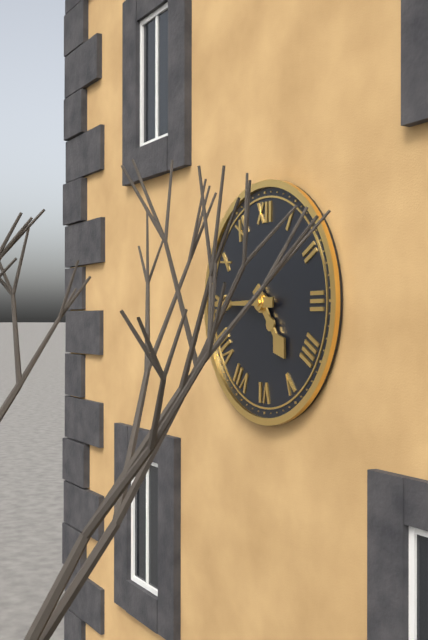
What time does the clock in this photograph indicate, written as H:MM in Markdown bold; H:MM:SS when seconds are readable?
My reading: **4:45**
